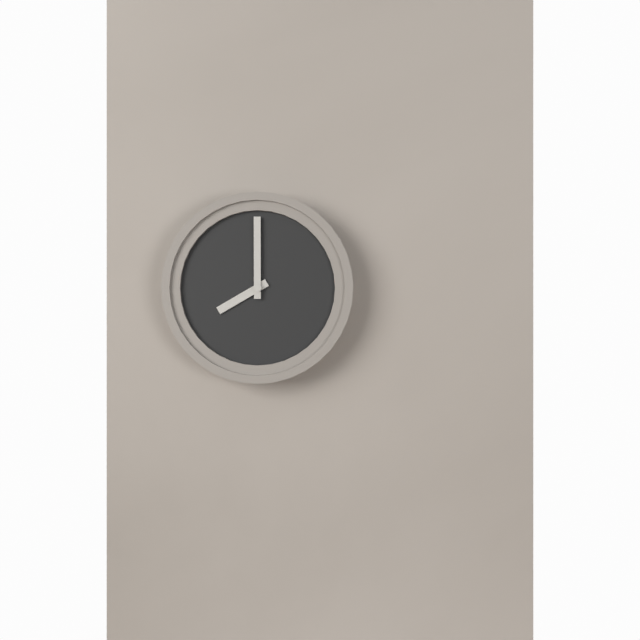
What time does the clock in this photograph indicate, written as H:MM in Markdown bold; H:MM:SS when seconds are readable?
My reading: **8:00**
